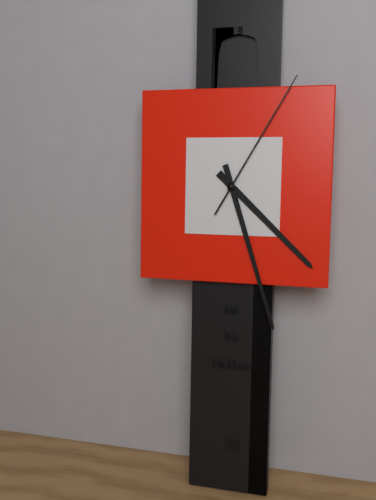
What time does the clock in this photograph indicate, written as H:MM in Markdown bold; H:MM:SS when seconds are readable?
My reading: **4:27:05**
